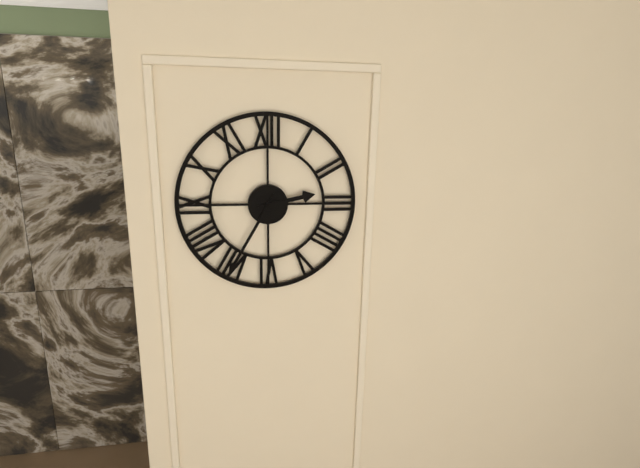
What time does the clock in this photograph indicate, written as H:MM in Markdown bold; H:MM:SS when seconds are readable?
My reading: **2:35**
